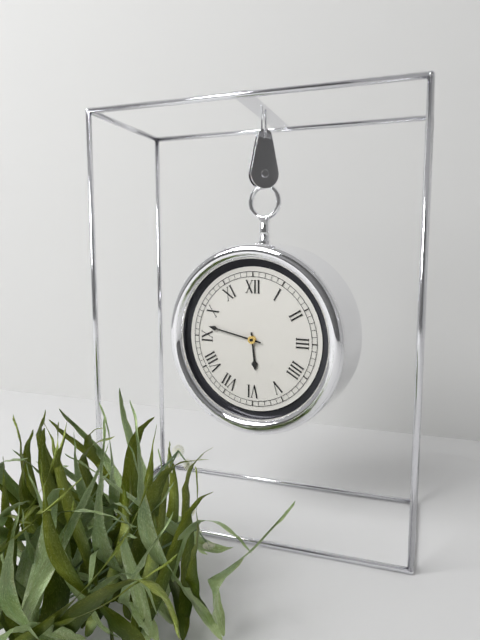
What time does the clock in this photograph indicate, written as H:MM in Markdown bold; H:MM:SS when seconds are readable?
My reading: **5:47**
